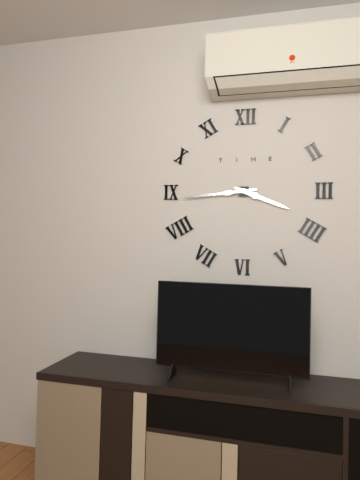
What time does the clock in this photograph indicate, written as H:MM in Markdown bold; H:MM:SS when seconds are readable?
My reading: **3:44**
